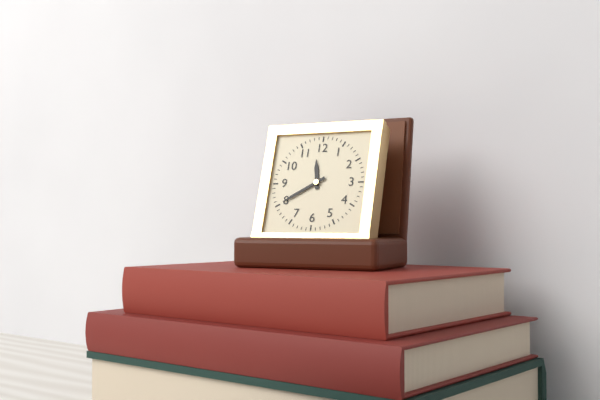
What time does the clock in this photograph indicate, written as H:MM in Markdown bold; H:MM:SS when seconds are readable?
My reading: **11:40**
